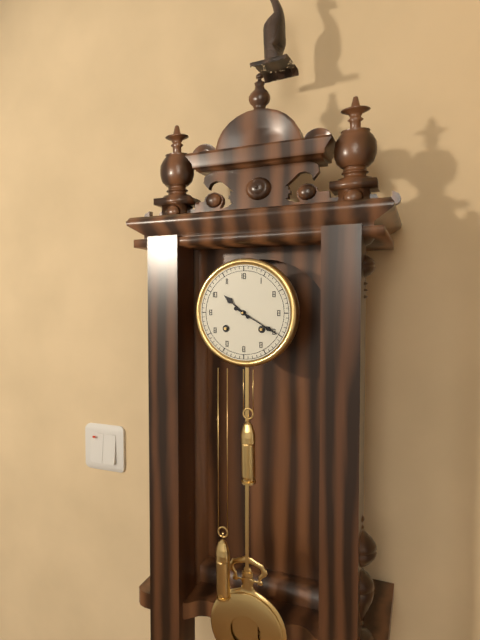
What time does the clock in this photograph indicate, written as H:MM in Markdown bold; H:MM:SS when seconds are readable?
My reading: **10:20**
